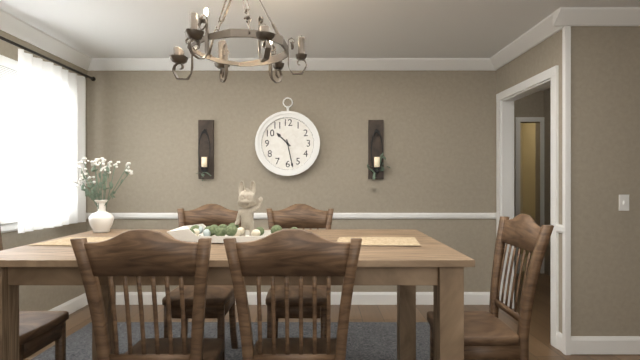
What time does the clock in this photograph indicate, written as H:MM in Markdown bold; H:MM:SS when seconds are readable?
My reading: **10:28**
